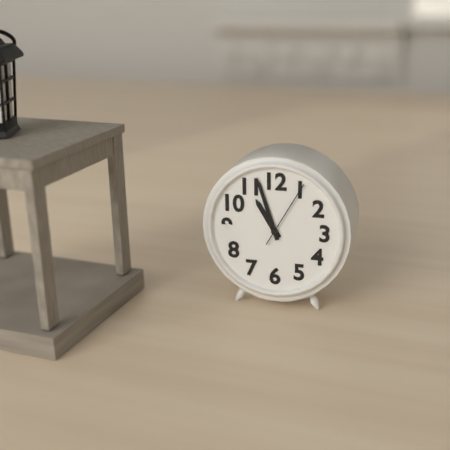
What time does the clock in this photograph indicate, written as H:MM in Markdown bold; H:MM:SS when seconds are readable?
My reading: **10:57:05**
